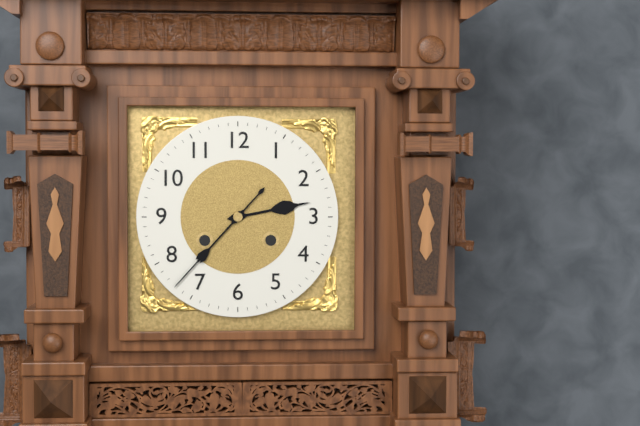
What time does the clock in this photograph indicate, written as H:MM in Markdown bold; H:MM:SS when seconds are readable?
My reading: **2:37**
